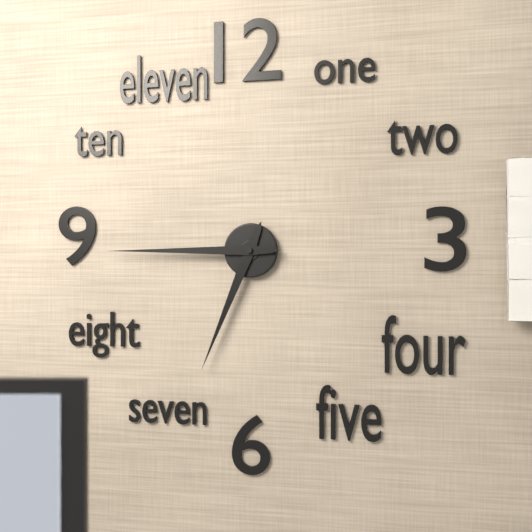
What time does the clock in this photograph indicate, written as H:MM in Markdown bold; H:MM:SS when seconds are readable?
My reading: **6:45**
